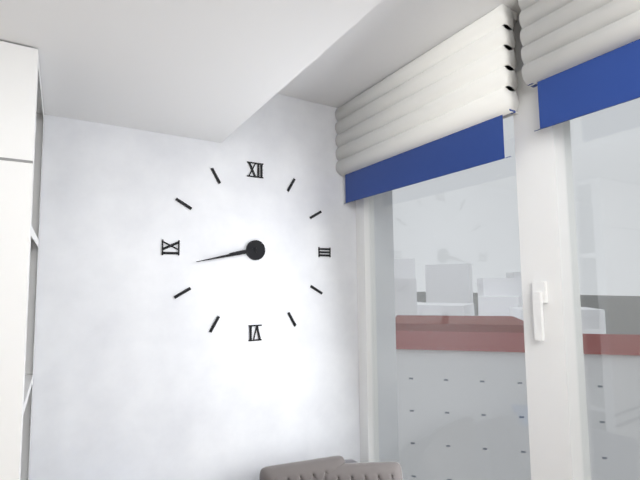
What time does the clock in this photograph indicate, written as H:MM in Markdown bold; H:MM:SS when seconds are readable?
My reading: **8:43**
